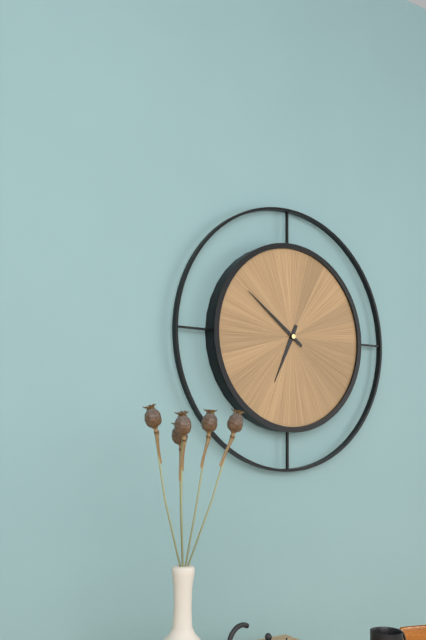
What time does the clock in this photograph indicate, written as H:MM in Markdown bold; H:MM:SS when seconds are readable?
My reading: **6:51**
